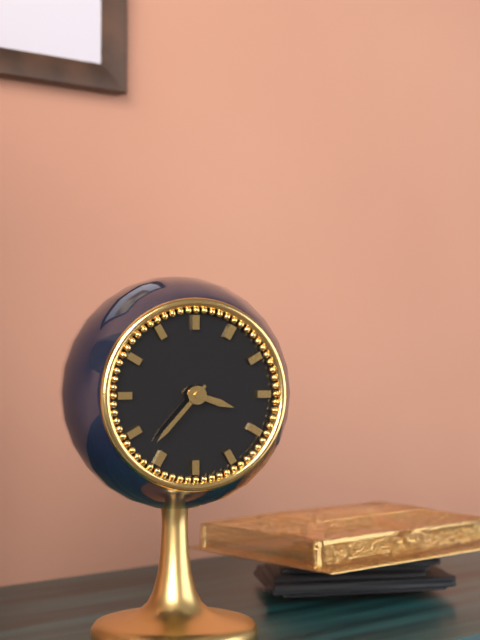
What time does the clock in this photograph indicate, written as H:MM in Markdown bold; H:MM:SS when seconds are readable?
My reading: **3:37**
